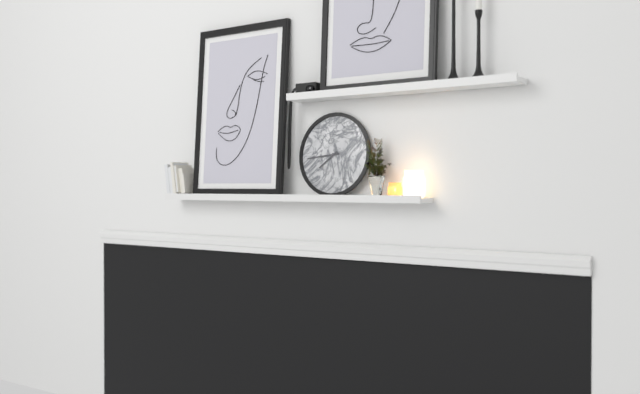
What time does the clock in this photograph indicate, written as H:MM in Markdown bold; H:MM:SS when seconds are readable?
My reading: **7:44**
